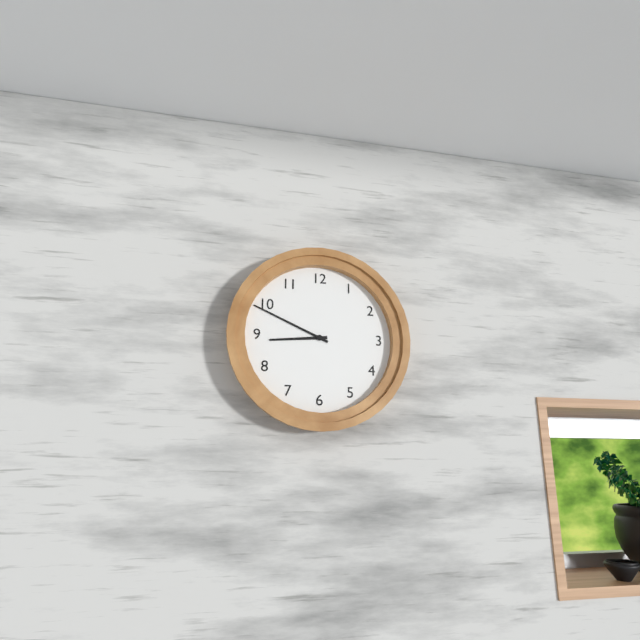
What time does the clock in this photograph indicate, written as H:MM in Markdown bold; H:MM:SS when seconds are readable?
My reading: **8:49**
